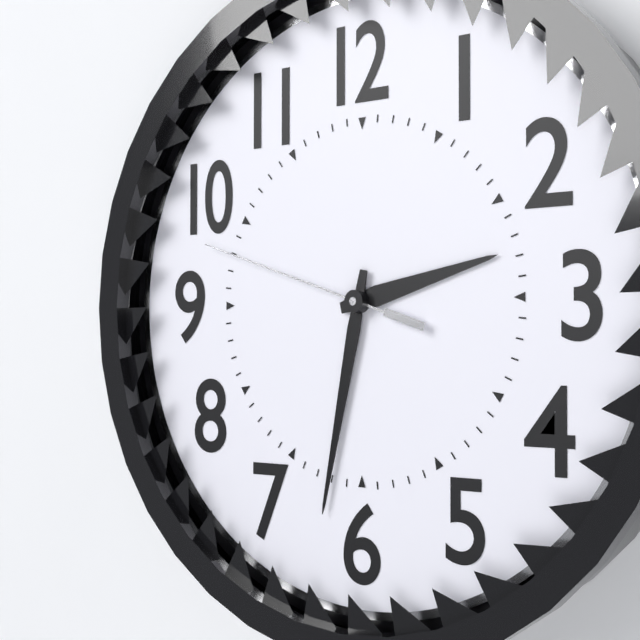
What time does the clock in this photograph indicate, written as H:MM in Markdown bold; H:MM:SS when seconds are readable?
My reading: **2:32:48**
